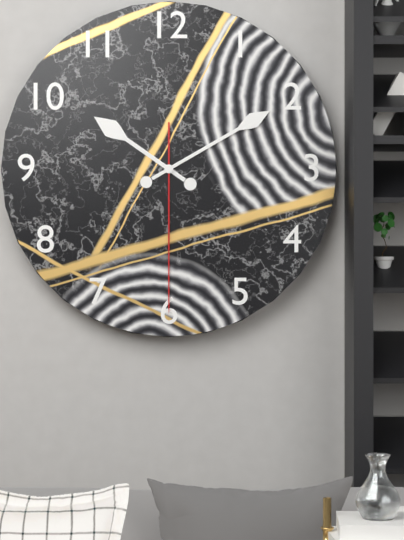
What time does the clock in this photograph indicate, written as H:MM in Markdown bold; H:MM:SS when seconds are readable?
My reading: **10:10:30**
